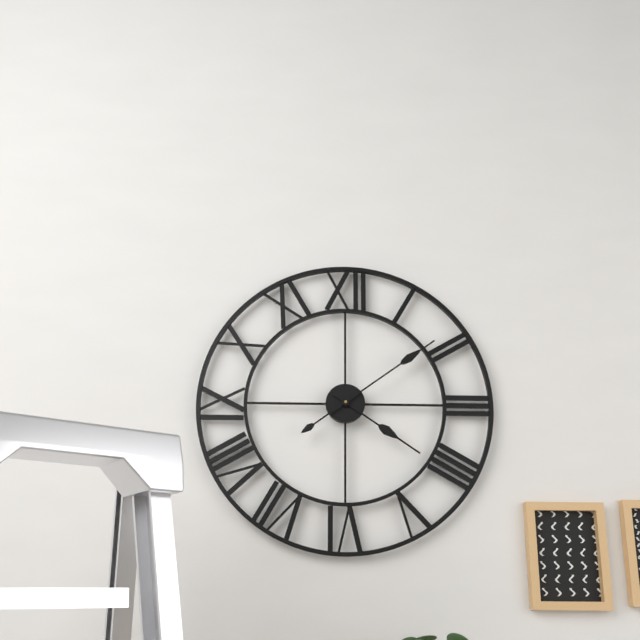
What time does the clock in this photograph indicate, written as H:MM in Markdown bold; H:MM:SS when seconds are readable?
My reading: **4:09**
